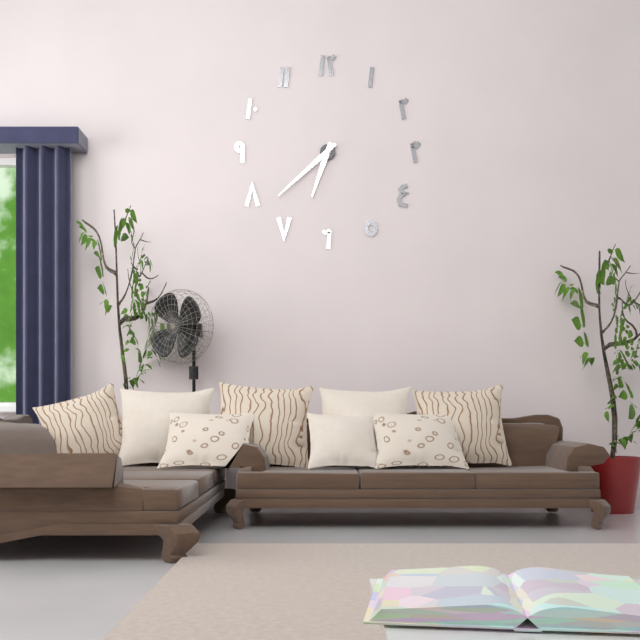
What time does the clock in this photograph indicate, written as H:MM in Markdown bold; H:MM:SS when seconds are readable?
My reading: **6:38**
